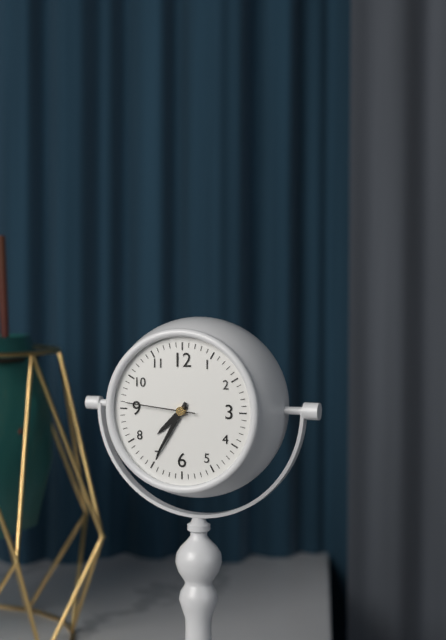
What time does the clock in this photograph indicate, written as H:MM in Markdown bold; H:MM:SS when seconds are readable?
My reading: **7:35:46**
